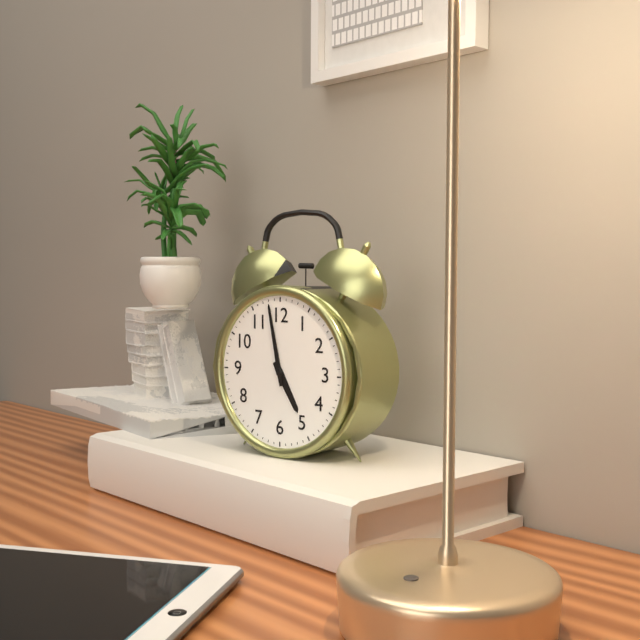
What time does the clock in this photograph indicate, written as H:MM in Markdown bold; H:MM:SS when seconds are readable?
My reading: **4:58**
